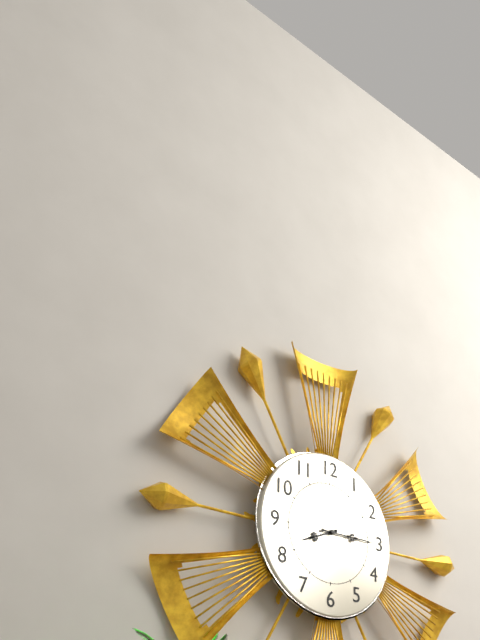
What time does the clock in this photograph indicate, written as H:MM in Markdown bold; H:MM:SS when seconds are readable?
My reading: **8:15**
